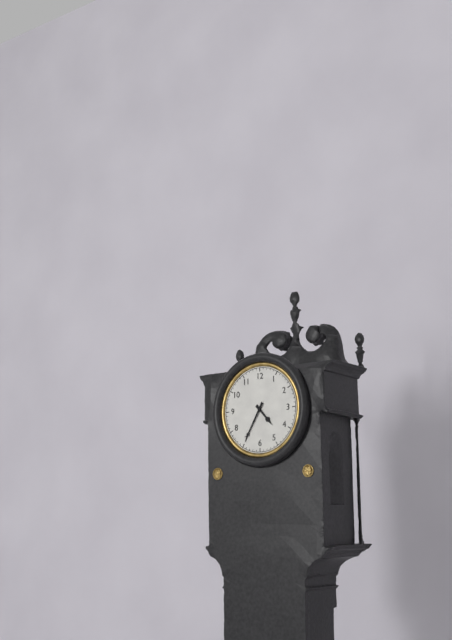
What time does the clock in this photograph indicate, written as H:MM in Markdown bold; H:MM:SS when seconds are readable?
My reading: **4:35**
